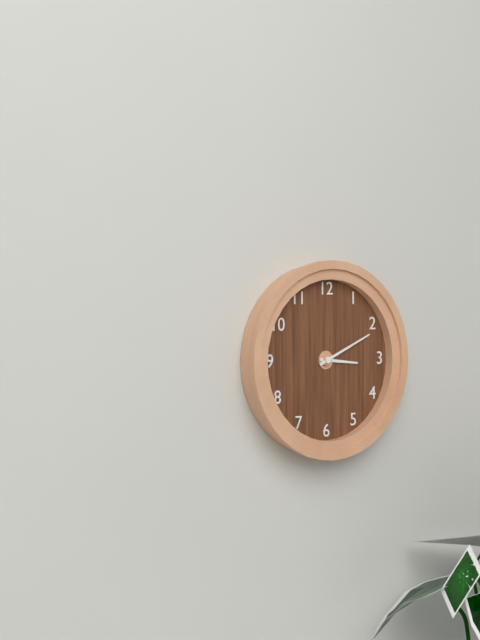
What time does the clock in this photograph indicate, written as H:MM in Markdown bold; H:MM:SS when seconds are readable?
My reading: **3:11**
